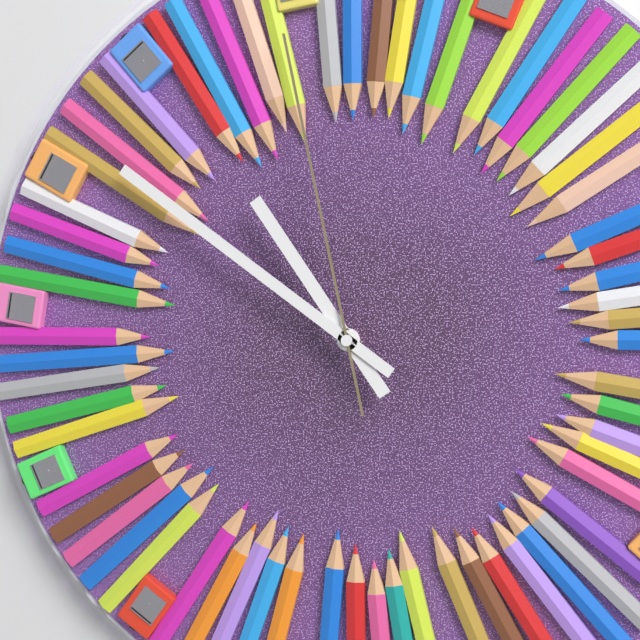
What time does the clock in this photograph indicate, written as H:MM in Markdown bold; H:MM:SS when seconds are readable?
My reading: **10:51:58**
